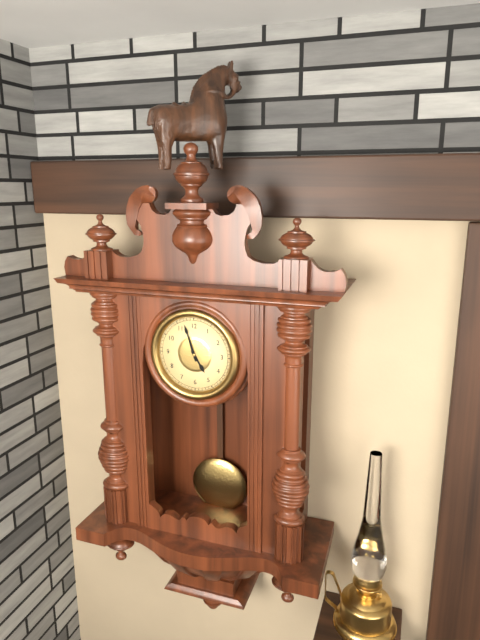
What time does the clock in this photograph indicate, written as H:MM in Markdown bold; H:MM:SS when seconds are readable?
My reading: **4:57**
